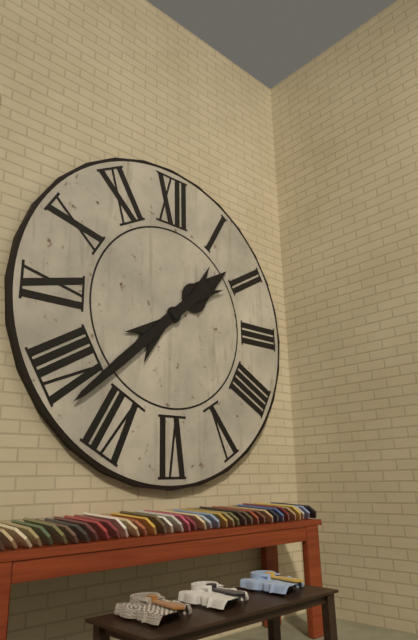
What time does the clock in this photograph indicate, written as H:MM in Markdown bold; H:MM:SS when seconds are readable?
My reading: **1:38**
